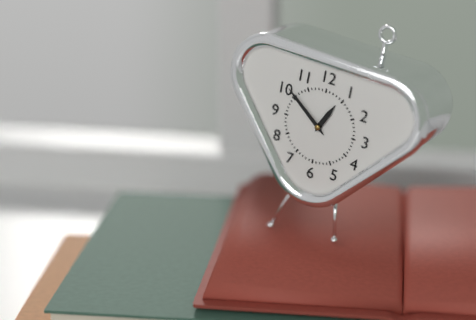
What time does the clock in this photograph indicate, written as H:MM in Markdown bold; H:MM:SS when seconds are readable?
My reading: **12:51**
